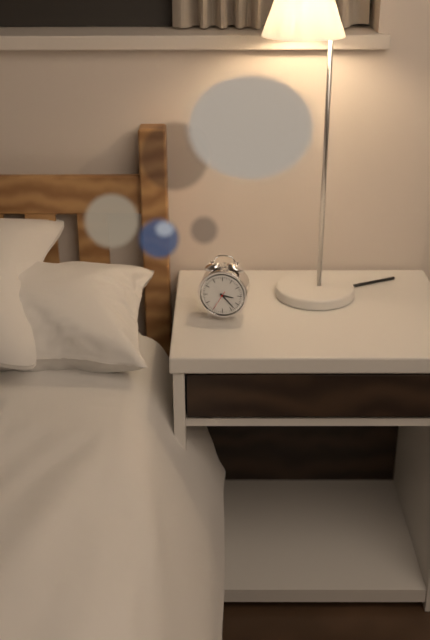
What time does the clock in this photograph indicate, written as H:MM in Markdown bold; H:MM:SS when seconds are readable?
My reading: **3:23**
